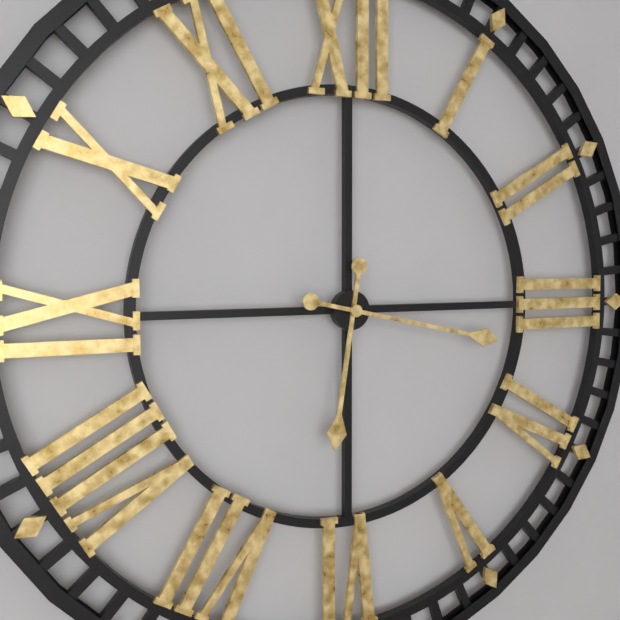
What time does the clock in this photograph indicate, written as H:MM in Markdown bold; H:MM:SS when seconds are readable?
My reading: **6:17**
